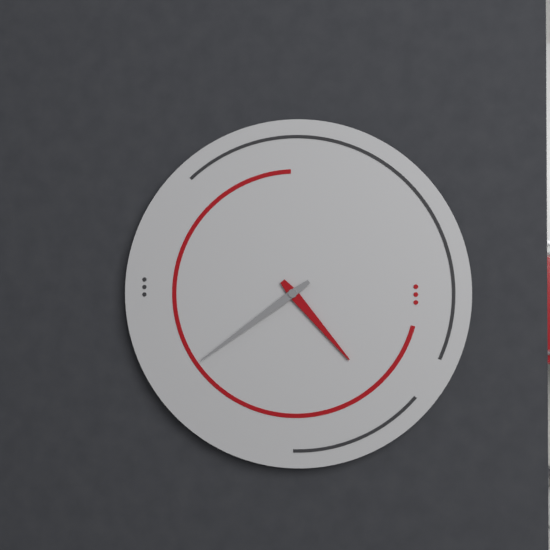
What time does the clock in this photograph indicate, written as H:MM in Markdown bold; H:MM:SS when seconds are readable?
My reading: **4:39**
